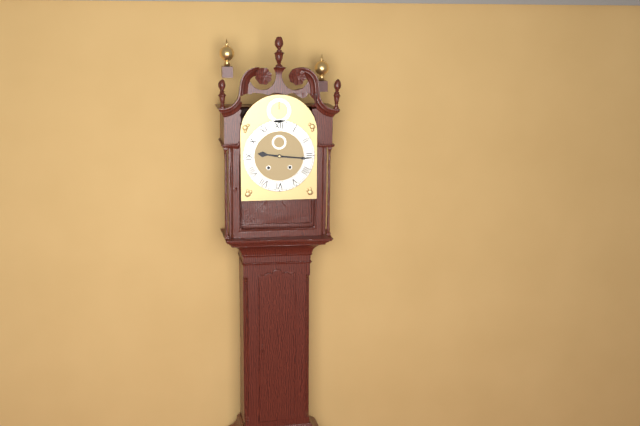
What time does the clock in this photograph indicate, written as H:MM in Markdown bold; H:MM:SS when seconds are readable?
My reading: **9:16**
